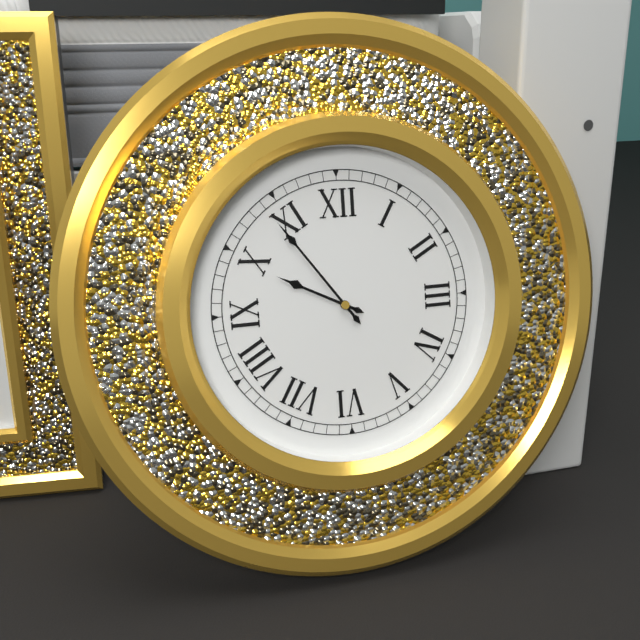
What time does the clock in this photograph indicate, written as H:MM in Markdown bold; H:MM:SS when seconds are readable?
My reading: **9:54**
